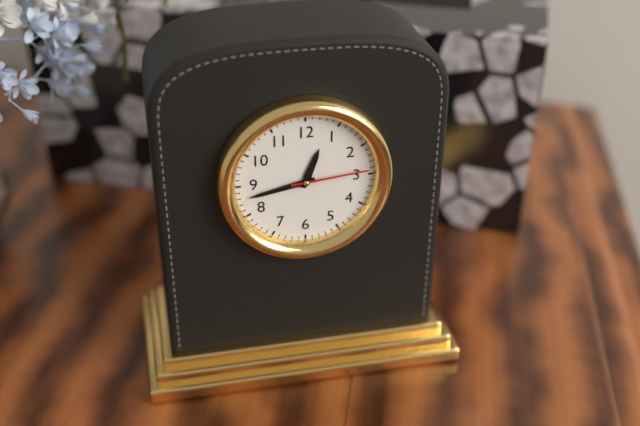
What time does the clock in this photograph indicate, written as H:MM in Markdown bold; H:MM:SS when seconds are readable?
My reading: **12:43:14**
